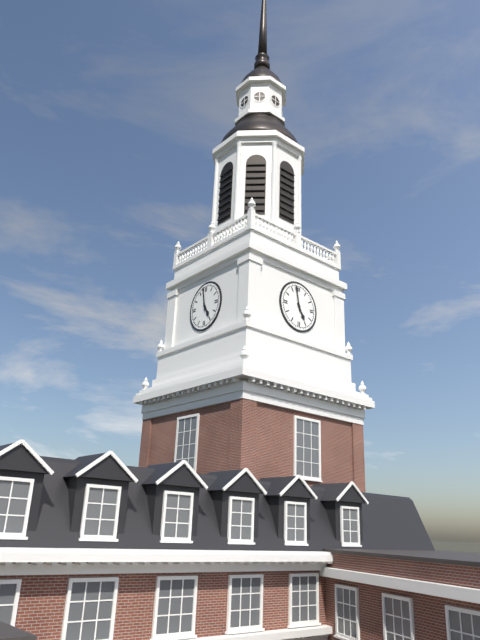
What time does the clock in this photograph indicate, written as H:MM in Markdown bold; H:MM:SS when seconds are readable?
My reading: **4:58**
